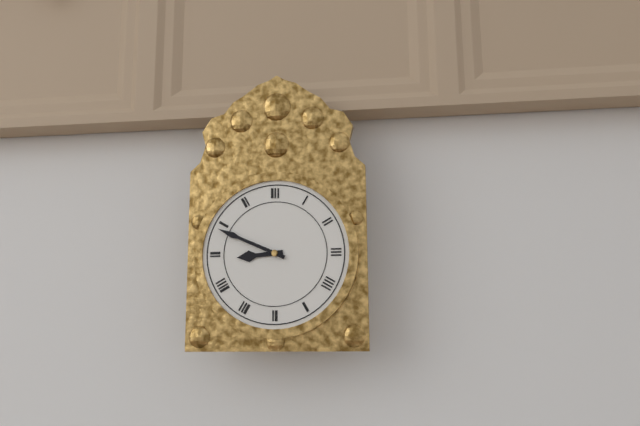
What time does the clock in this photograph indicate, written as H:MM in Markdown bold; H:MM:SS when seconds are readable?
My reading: **8:49**
